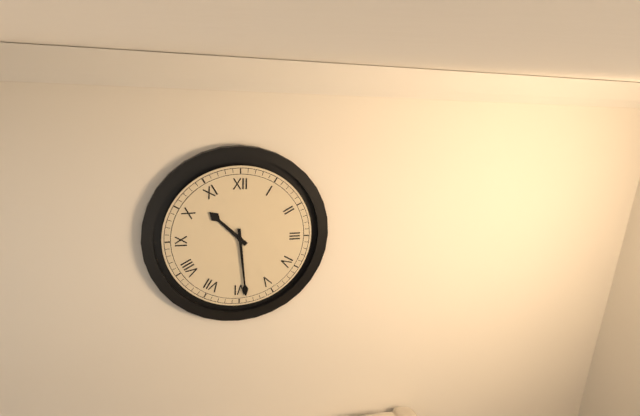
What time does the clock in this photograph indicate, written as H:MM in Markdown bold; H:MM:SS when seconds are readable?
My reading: **10:29**
